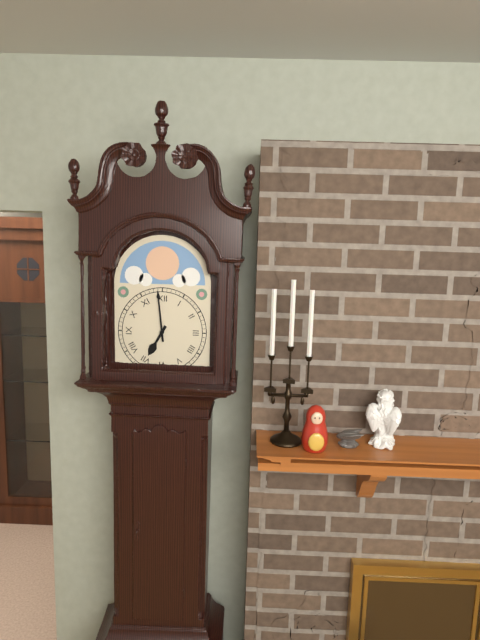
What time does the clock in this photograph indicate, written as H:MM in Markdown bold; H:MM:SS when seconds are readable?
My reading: **6:59**
